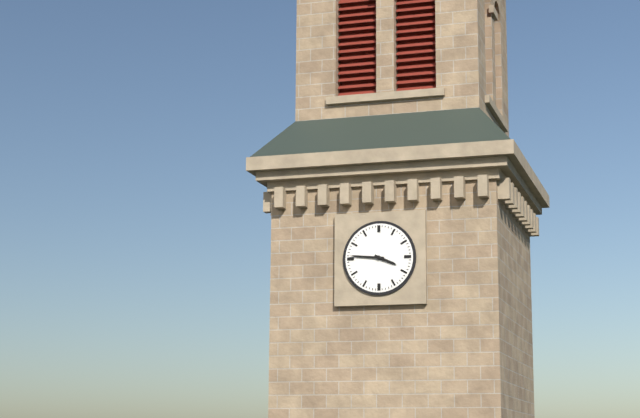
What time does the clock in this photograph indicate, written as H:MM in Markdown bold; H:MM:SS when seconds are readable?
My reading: **3:46**
